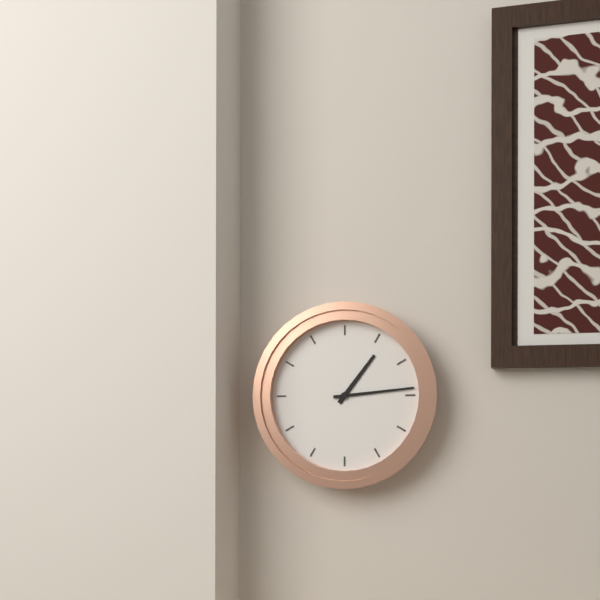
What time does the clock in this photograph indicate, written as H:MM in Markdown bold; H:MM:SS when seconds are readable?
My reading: **1:14**
